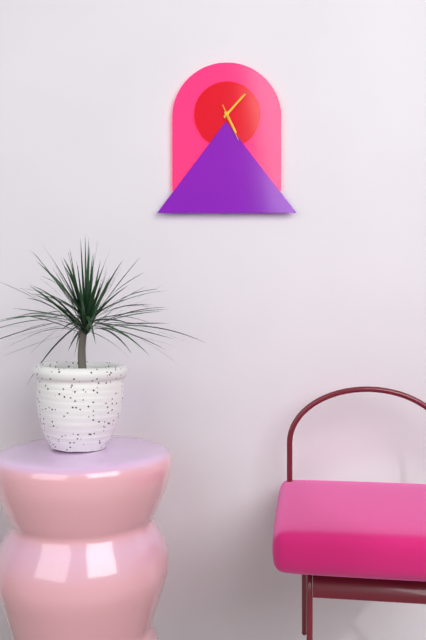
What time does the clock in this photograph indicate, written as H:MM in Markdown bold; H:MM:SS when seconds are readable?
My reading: **5:07**
